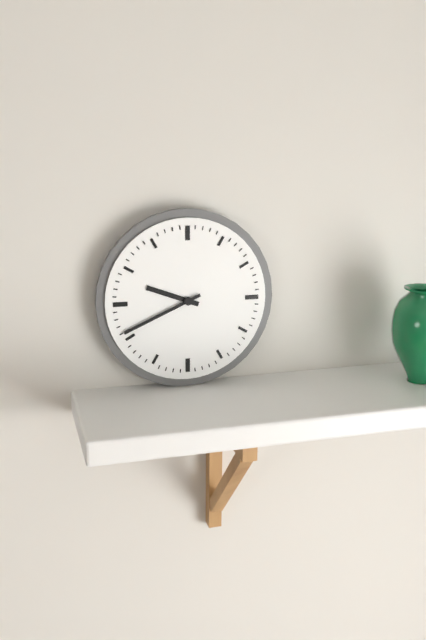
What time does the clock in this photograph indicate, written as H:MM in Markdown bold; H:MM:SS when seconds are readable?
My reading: **9:41**
